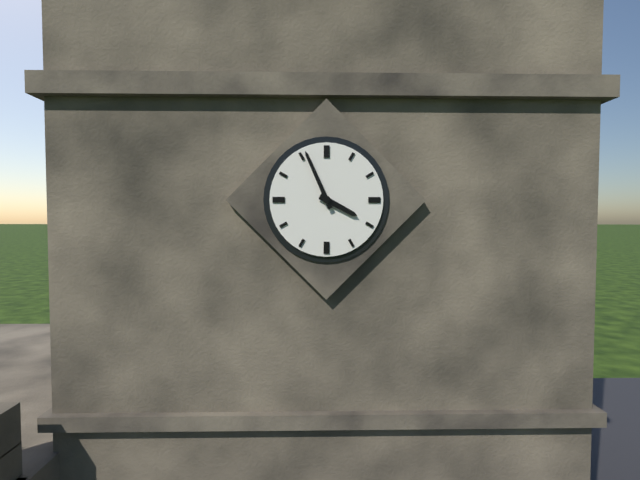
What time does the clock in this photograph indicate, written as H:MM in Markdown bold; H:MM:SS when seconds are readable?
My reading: **3:56**
